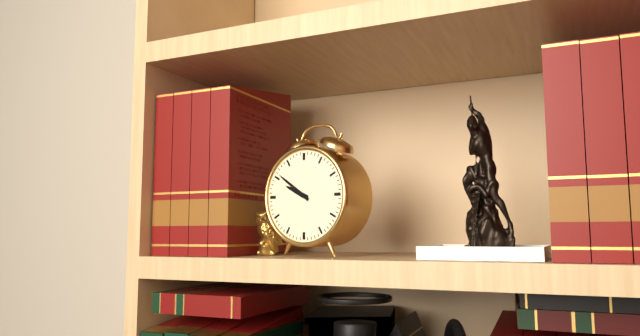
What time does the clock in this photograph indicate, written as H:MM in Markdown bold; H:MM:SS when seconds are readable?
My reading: **9:51**
